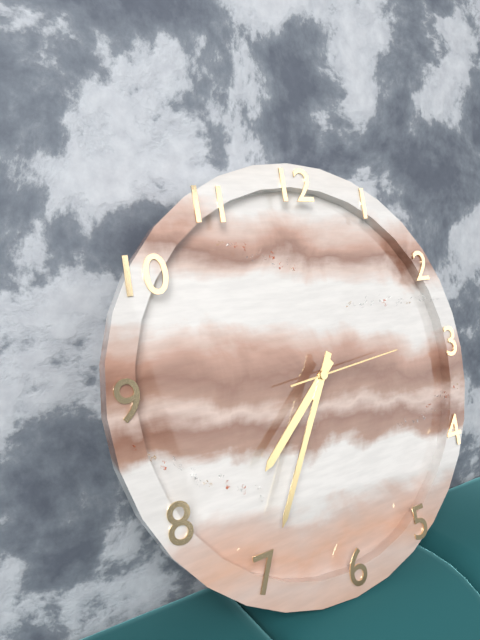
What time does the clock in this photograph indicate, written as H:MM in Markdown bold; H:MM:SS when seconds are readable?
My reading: **7:35:14**
